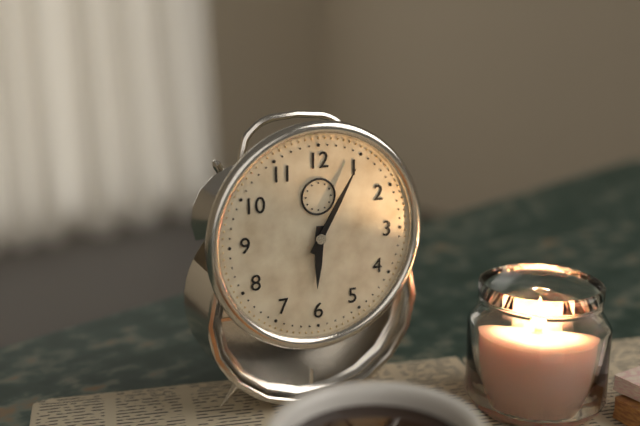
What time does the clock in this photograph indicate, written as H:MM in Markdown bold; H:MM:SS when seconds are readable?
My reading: **6:05**
